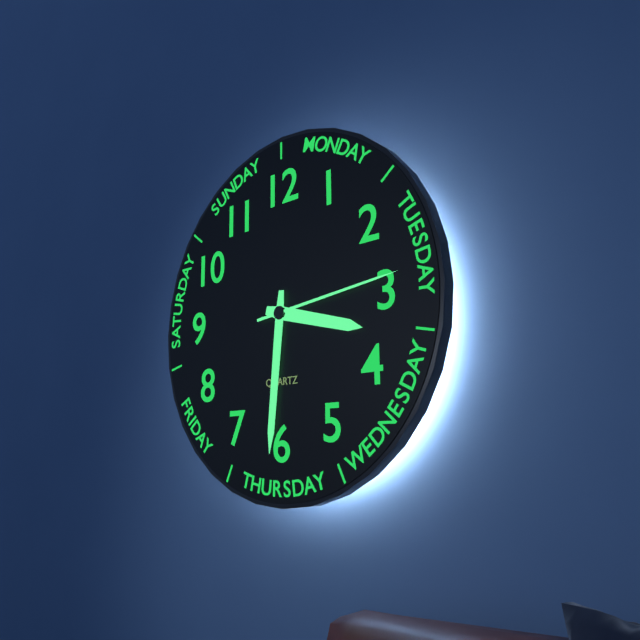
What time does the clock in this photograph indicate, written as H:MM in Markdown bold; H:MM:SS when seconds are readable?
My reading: **3:31:14**
